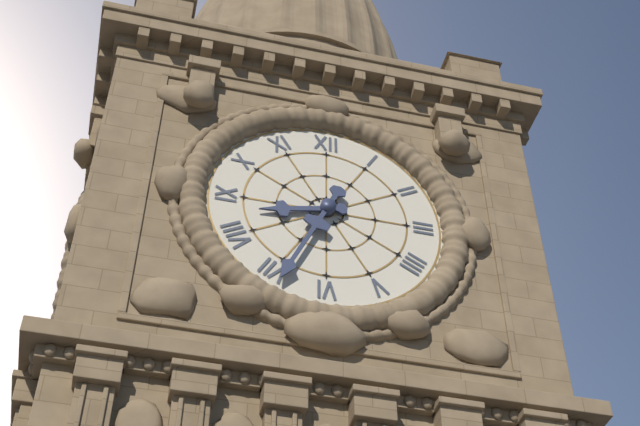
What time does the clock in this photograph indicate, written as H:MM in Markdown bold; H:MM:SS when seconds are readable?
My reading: **8:34**
